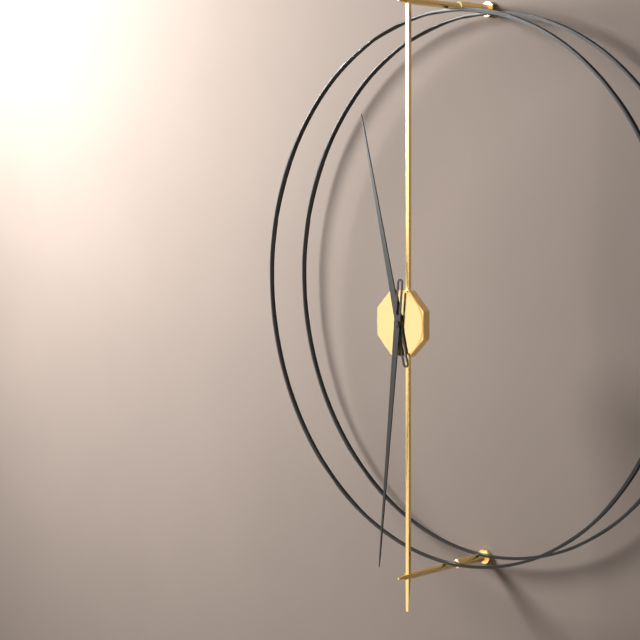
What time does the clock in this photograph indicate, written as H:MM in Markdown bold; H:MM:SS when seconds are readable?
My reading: **11:31**
